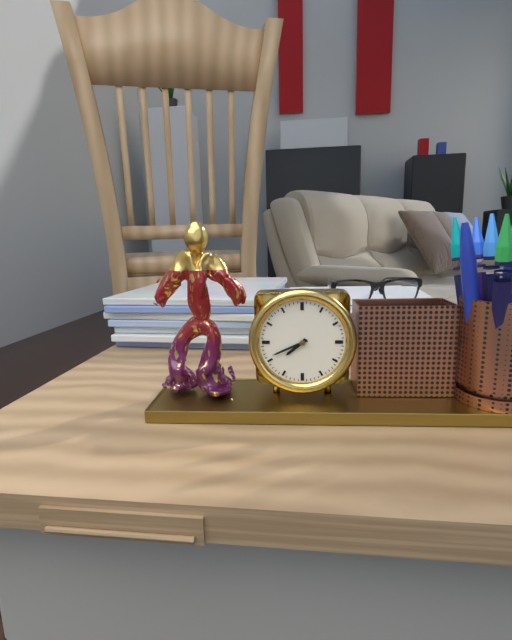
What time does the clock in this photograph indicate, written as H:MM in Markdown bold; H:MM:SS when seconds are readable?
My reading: **7:41**
